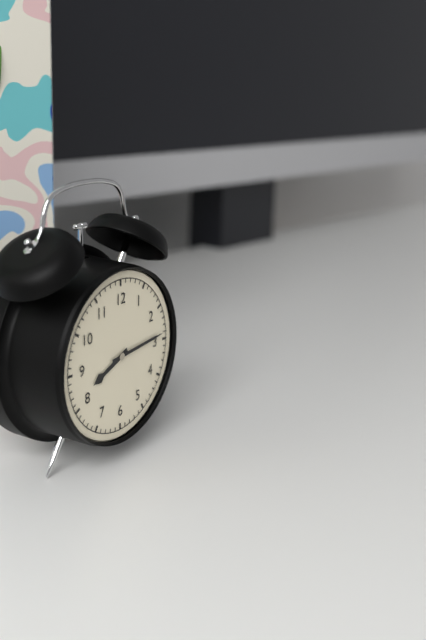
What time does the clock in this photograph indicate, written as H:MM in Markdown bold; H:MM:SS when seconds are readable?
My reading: **8:14**
